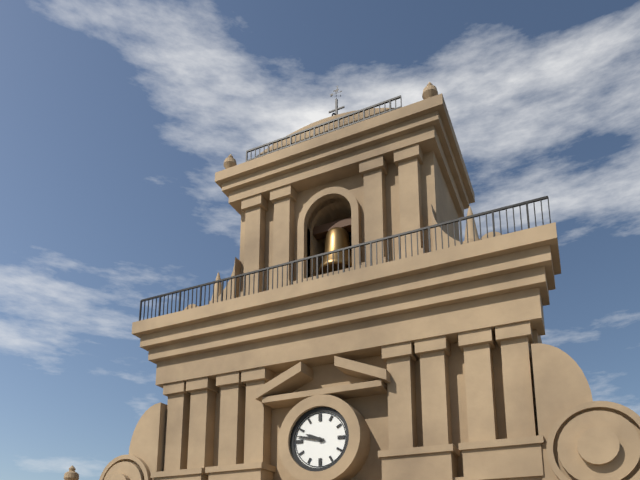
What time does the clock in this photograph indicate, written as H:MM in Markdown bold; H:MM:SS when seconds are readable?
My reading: **9:47**
